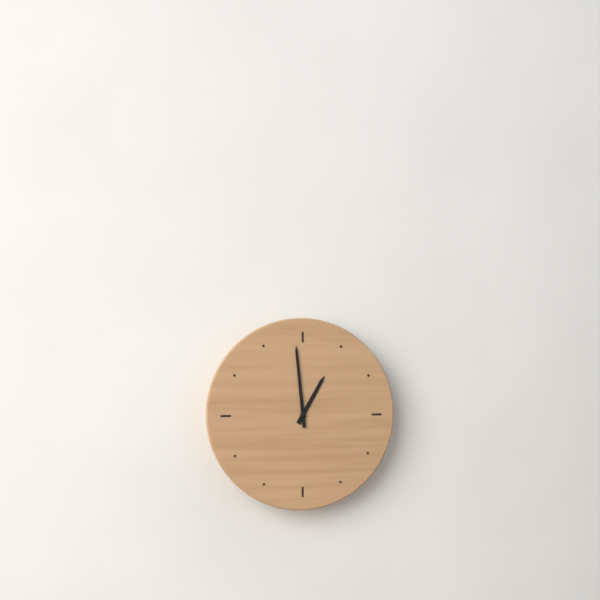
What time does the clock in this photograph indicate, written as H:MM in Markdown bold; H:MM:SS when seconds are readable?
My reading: **12:59**
